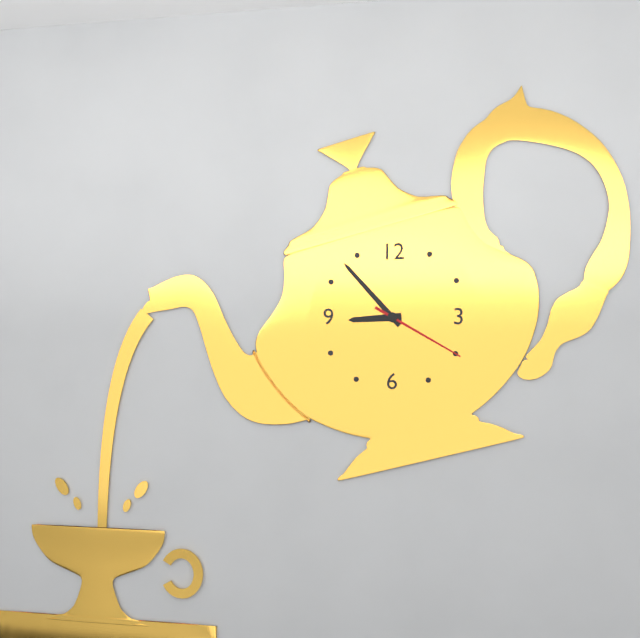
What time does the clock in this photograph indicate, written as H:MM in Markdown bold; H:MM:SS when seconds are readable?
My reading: **8:53:20**
